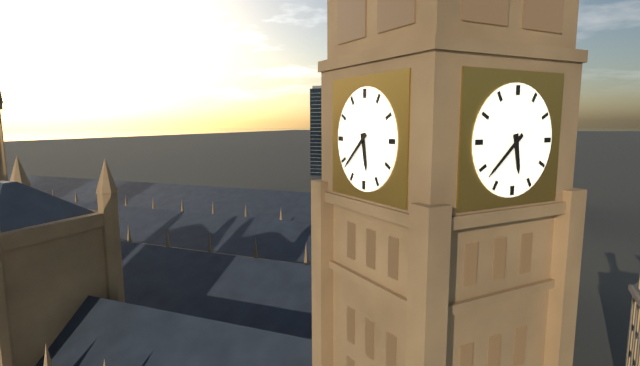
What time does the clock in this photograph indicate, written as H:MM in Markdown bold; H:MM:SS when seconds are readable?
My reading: **5:38**
